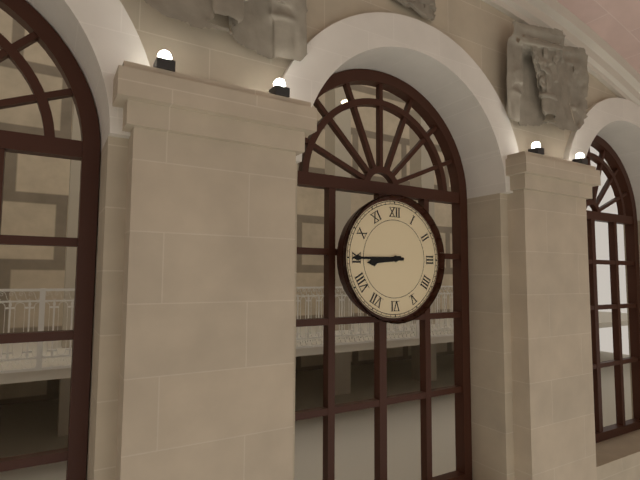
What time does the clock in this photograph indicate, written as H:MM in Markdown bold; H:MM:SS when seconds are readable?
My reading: **8:45**
